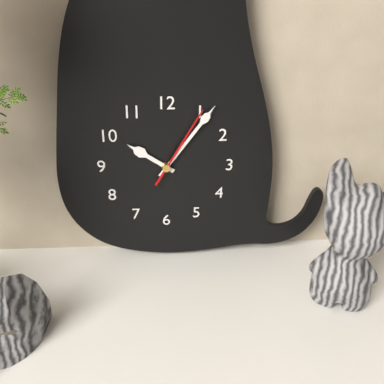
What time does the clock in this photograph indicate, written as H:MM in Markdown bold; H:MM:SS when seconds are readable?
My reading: **10:06:05**
